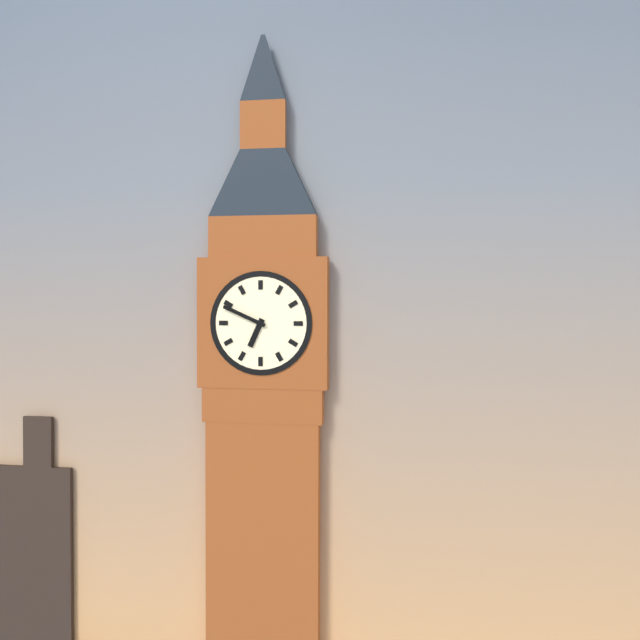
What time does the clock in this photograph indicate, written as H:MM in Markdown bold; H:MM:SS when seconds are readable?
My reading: **6:49**
